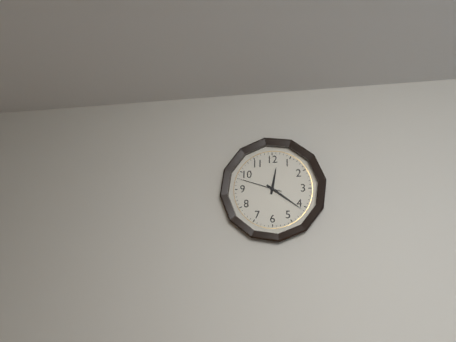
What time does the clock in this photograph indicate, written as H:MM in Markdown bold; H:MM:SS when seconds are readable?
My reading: **12:21**
